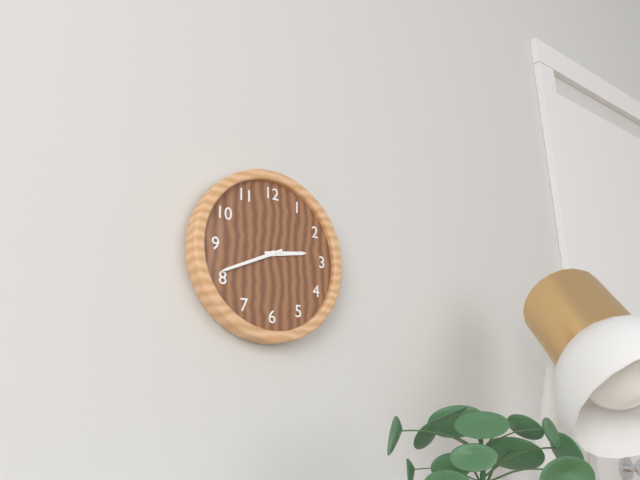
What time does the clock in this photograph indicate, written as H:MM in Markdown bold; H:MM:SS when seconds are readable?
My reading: **2:41**
